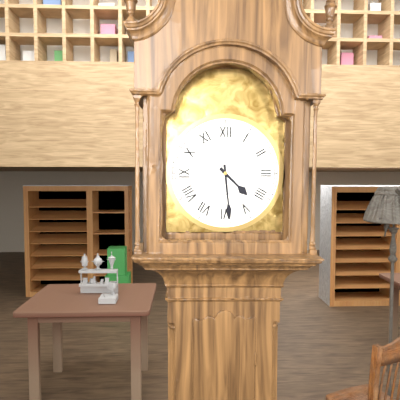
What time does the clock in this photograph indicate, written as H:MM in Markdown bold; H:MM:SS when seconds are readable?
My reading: **4:29**
